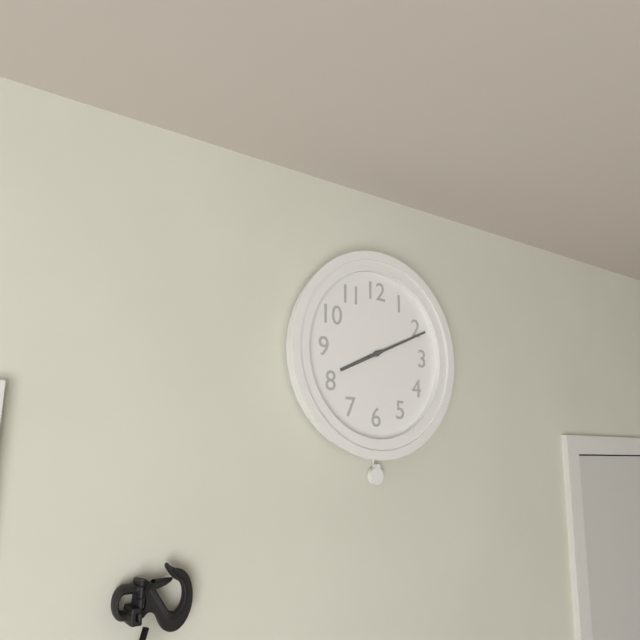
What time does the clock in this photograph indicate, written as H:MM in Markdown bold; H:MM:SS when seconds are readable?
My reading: **8:11**
